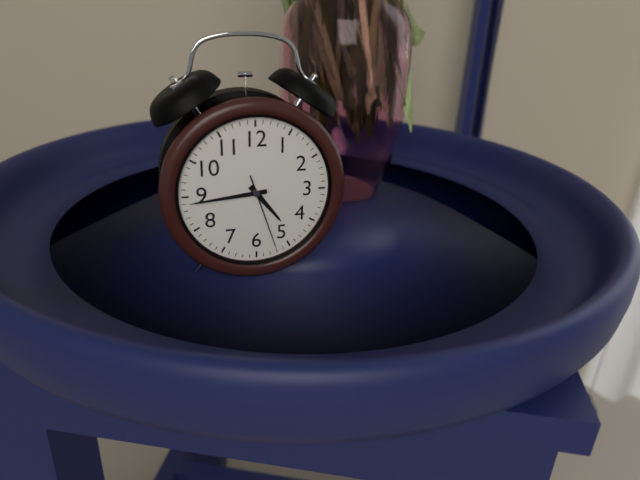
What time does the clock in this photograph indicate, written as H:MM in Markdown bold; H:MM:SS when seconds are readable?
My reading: **4:44:27**
